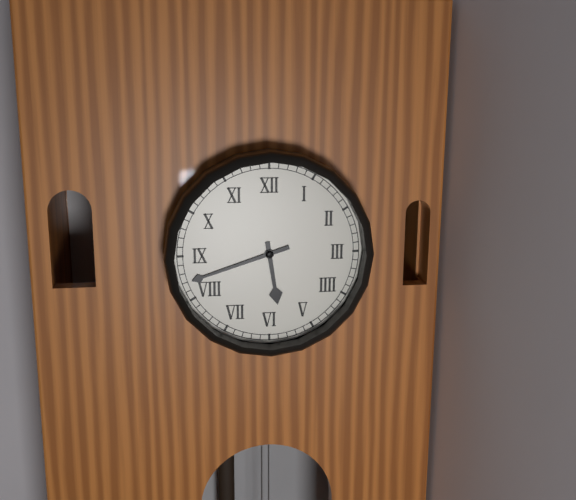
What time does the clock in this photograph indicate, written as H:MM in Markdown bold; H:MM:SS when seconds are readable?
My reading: **5:42**
